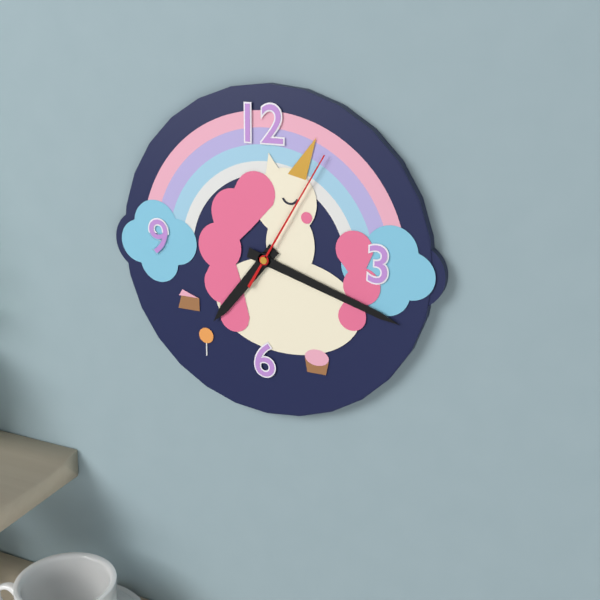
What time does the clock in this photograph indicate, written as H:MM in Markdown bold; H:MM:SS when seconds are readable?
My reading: **7:18:05**
